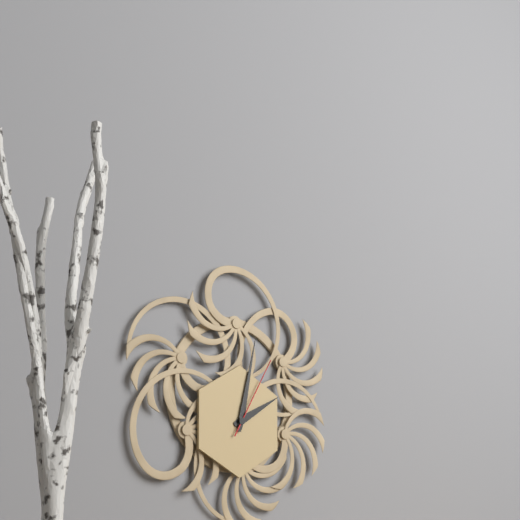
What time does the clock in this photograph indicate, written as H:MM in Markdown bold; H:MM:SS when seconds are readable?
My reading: **2:02:05**
